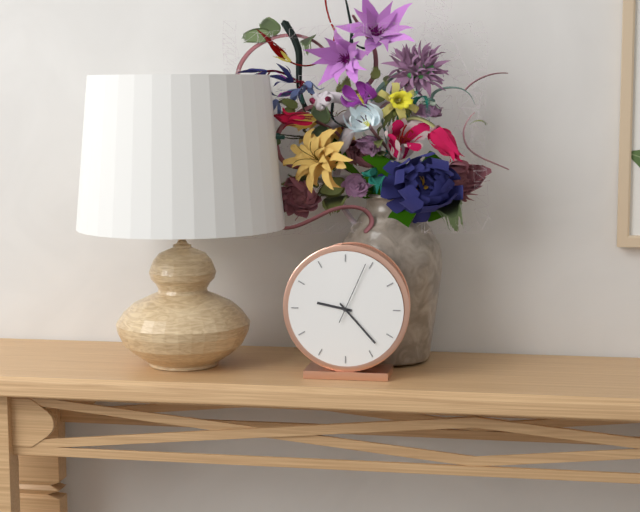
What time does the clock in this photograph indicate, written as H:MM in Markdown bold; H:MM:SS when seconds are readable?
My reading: **9:23:04**
